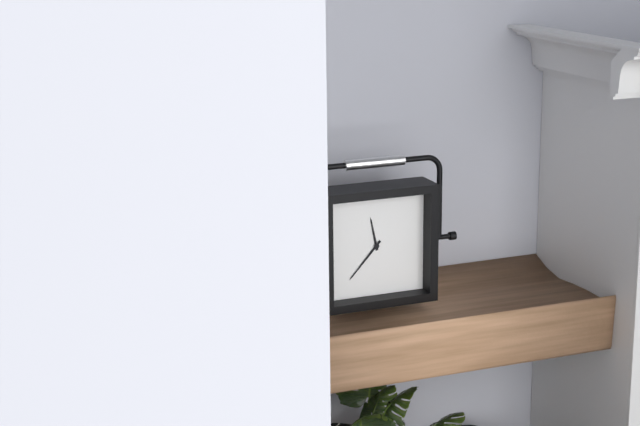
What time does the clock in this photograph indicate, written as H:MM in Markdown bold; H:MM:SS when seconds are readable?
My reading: **11:37**
